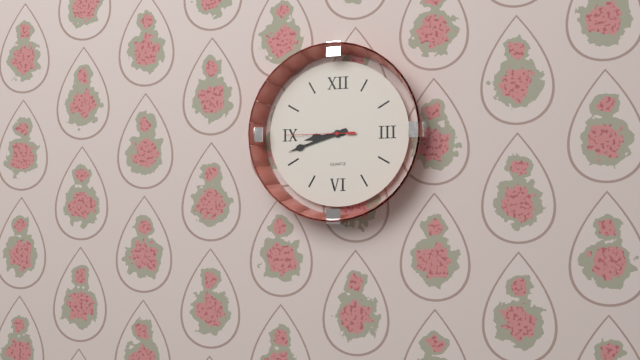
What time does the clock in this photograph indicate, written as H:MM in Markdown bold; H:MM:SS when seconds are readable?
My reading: **8:42:45**
